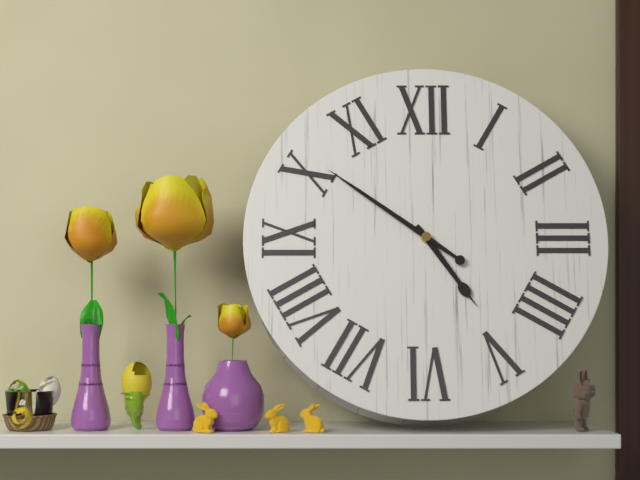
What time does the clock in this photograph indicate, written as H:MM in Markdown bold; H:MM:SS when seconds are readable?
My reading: **4:51**
